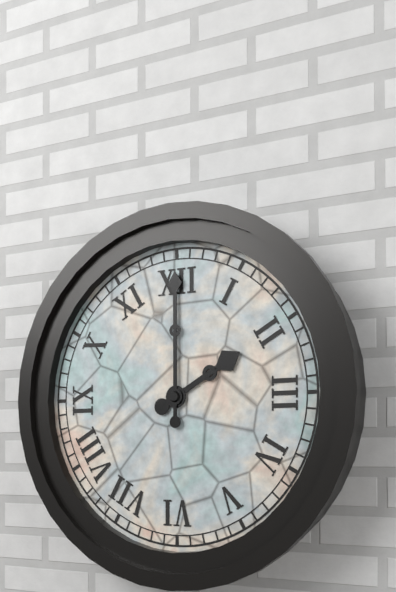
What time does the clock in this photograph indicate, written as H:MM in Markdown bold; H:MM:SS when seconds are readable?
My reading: **2:00**
